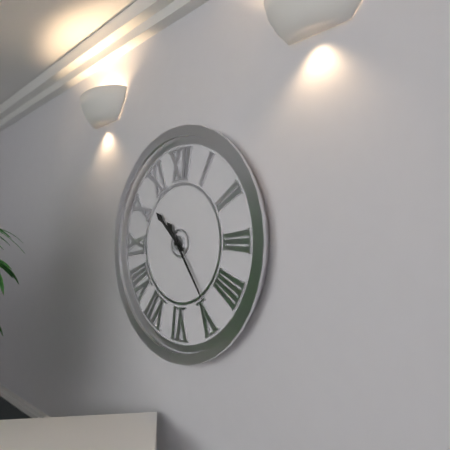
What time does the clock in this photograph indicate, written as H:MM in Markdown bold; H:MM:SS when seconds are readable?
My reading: **10:24**
